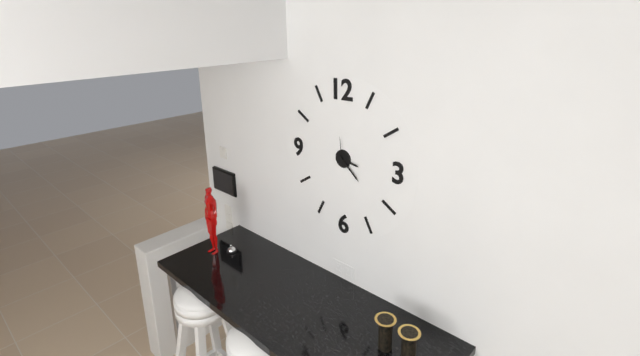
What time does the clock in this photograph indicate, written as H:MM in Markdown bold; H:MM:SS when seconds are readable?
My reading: **3:22**
